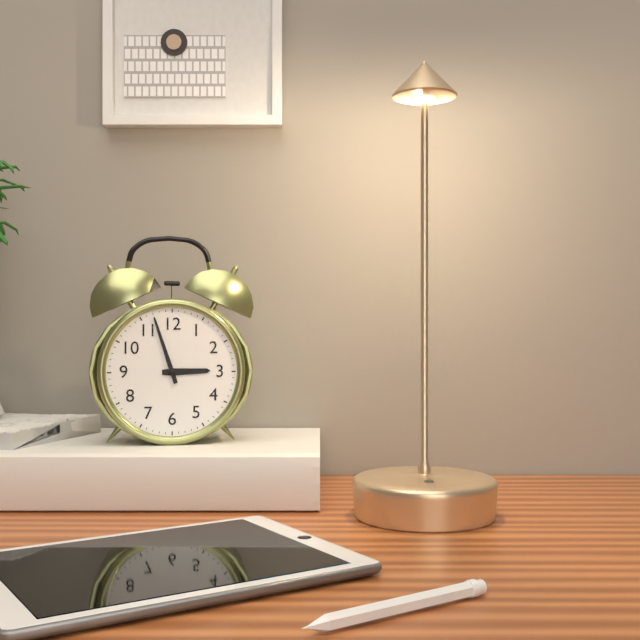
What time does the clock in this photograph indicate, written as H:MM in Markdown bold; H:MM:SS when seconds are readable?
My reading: **2:57**
